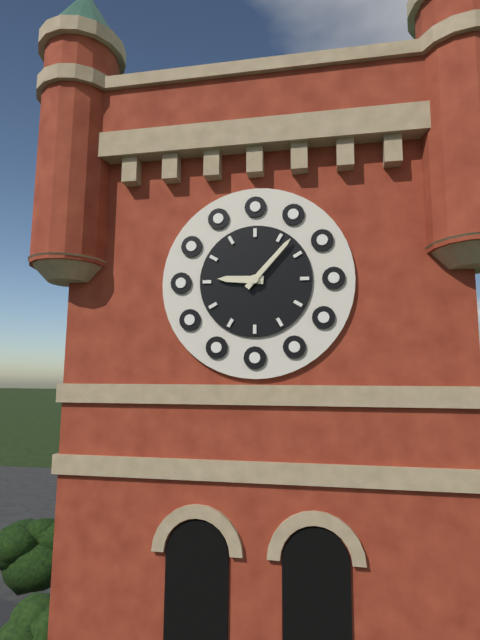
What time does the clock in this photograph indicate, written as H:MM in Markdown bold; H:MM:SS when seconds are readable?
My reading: **9:07**
